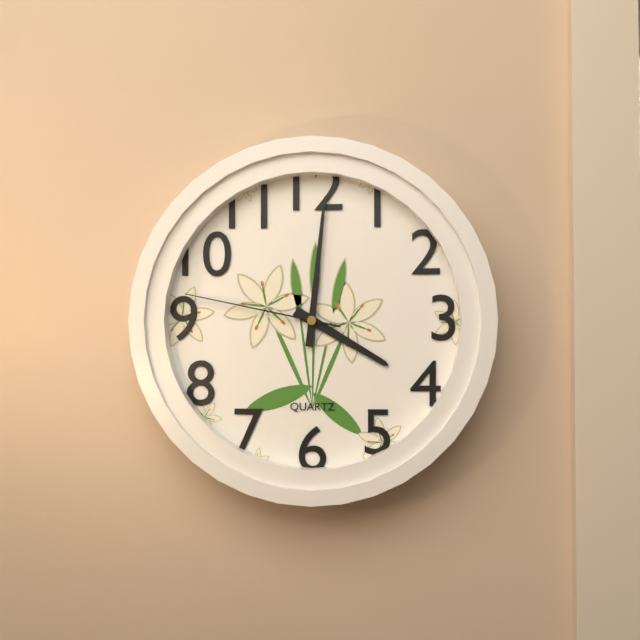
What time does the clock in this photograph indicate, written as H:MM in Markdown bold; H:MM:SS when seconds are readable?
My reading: **4:01:47**
